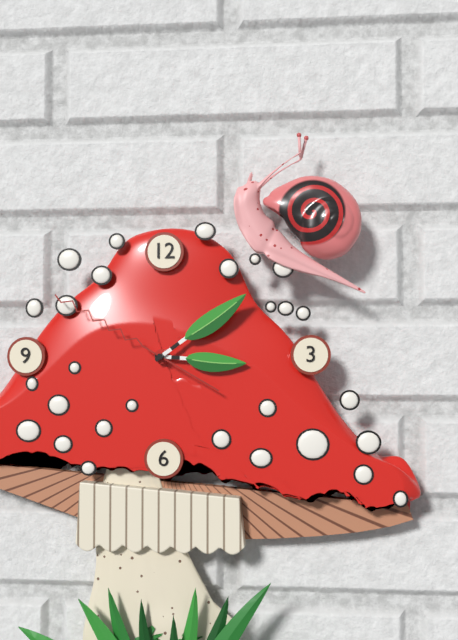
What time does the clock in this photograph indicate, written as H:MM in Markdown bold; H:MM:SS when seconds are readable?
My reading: **3:09:50**
